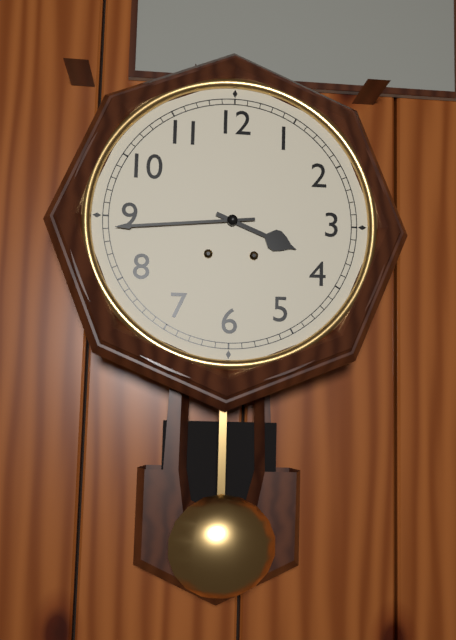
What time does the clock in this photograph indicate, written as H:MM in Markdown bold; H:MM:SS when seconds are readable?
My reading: **3:44**
